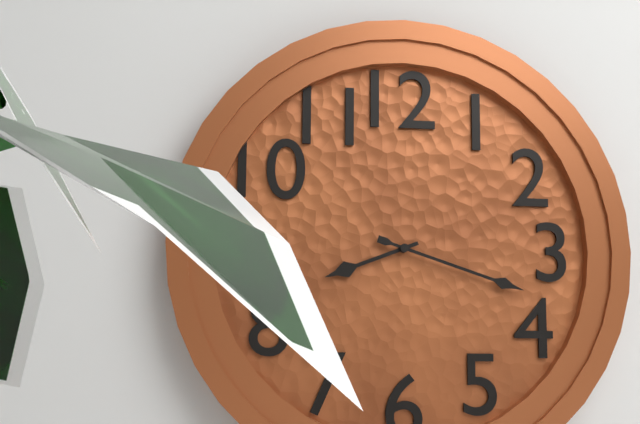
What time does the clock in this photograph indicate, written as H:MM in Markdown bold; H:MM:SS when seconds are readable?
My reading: **8:18**
